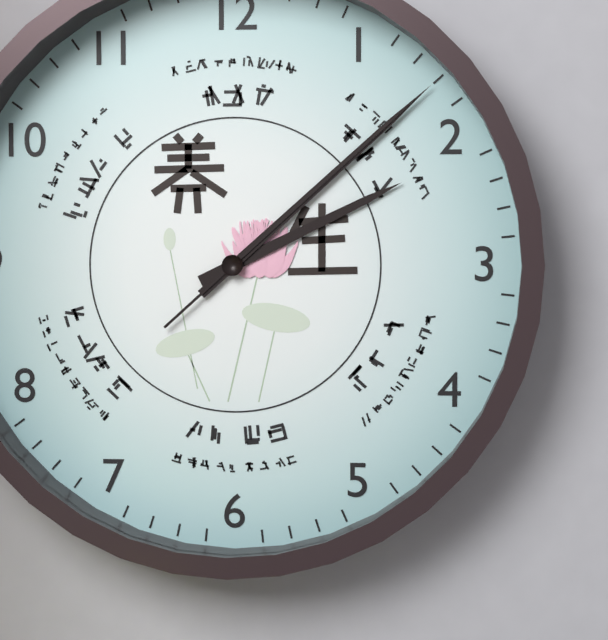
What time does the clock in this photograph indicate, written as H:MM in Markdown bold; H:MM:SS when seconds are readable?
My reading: **2:08:08**
